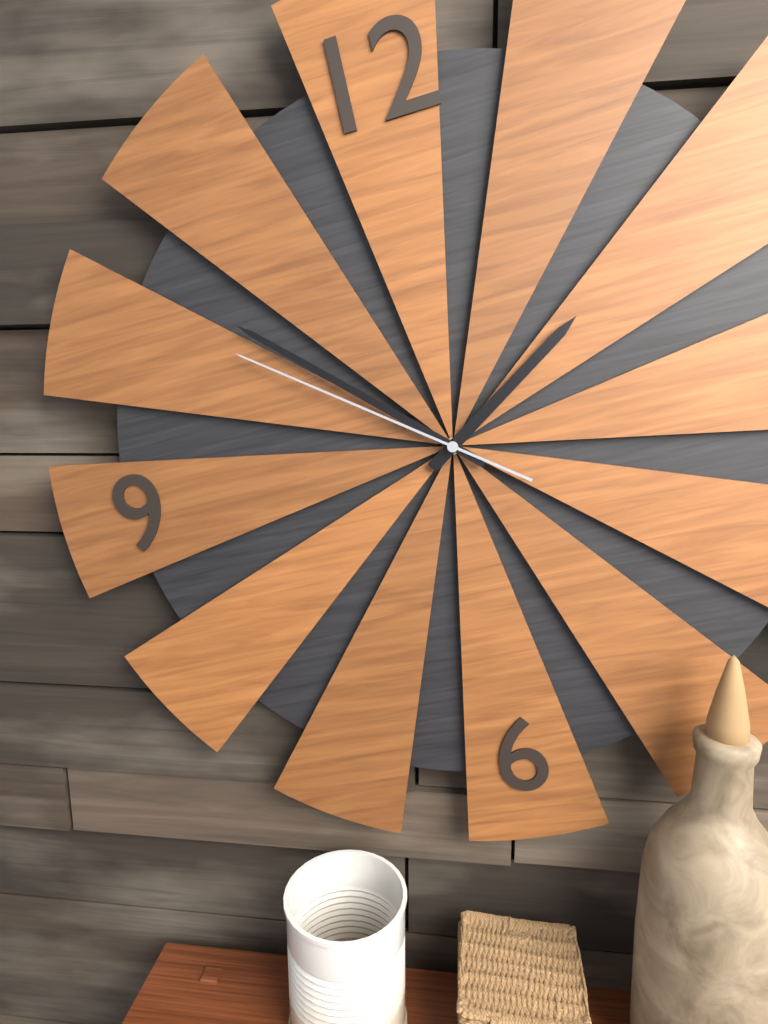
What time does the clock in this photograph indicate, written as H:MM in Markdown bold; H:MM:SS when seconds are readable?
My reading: **1:52:51**
